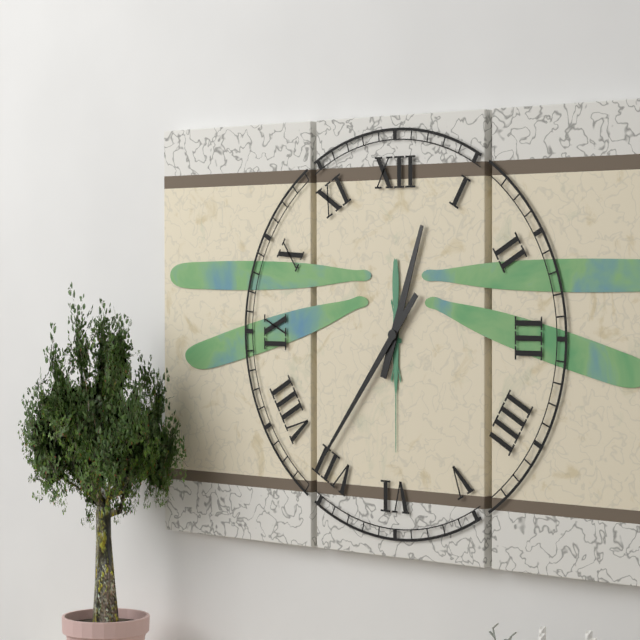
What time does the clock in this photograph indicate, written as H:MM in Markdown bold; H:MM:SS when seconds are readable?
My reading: **12:36**
